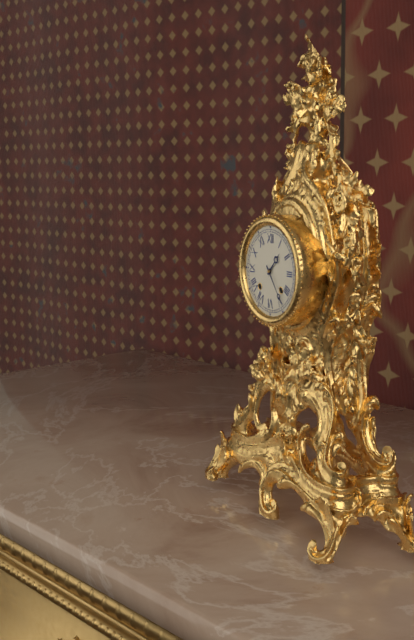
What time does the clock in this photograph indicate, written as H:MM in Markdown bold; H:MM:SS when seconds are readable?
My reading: **1:24**
